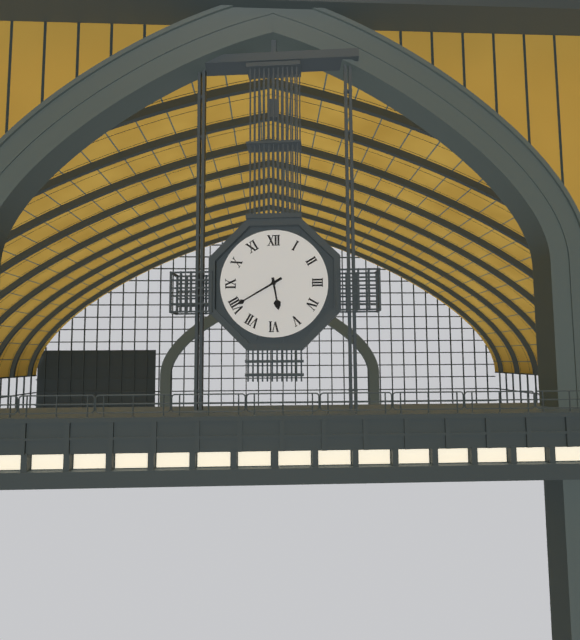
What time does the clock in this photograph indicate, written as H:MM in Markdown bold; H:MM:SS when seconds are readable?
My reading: **5:40**
